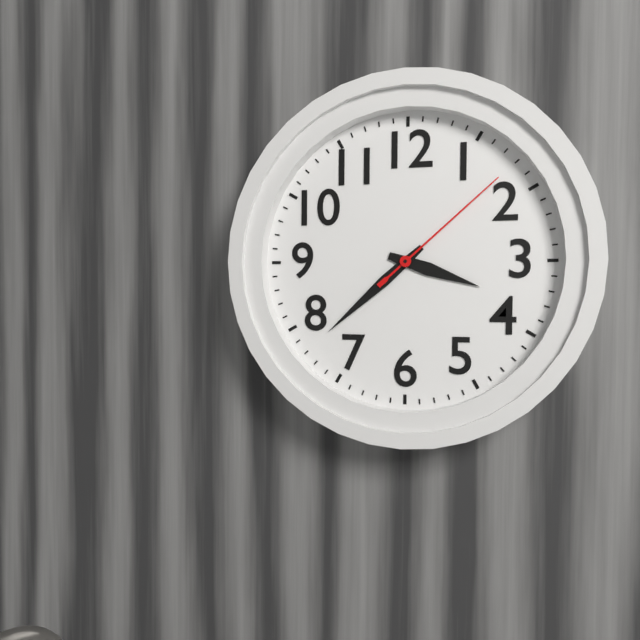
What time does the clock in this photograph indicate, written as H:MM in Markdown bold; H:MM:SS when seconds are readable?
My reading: **3:38:08**
